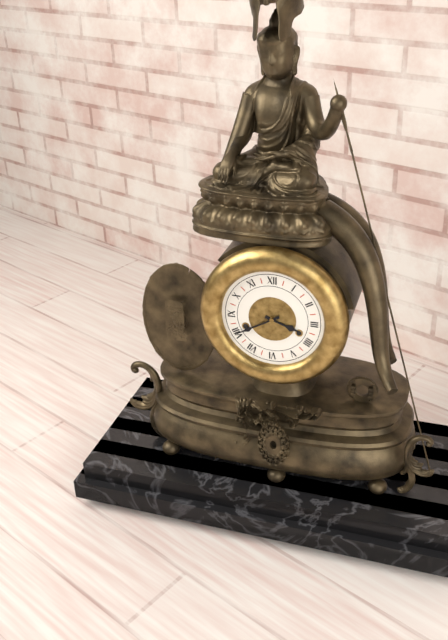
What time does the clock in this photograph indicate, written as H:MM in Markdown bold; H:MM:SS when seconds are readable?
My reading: **3:40**
